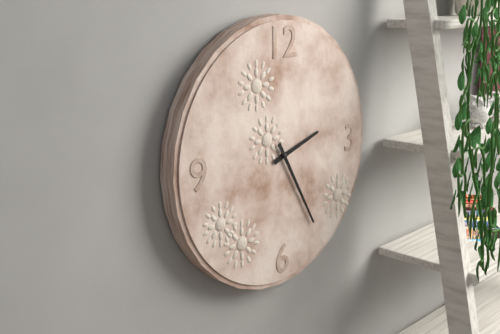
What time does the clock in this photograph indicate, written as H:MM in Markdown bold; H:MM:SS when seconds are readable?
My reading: **2:25**
